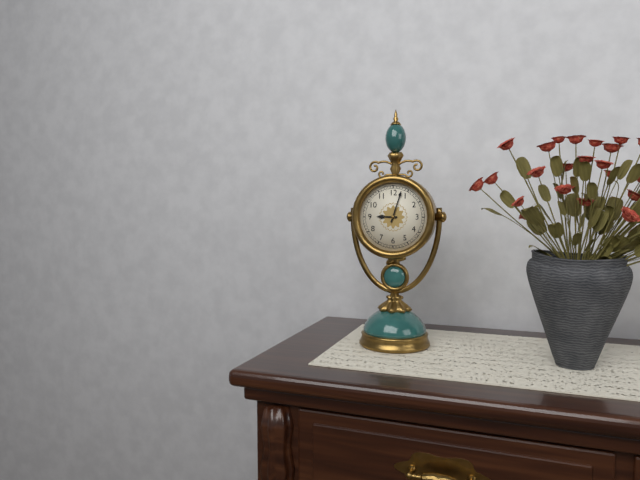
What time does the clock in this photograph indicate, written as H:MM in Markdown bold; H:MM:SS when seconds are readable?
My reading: **9:03**
